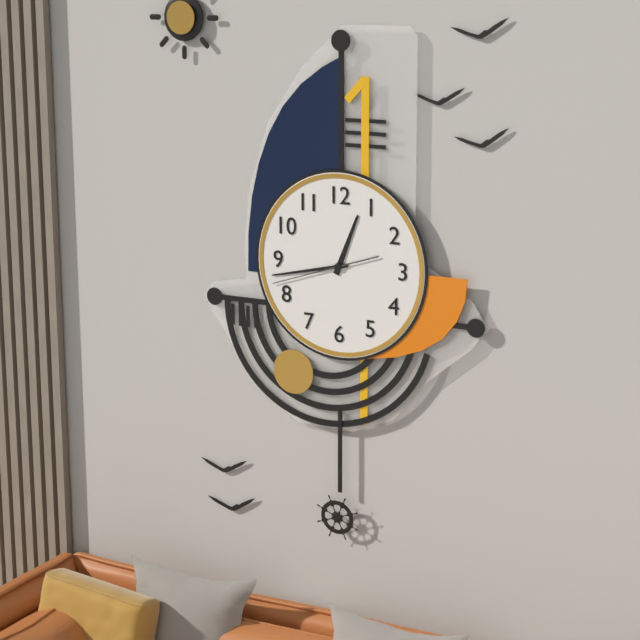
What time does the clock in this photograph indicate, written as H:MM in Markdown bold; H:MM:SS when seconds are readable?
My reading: **12:43:42**
